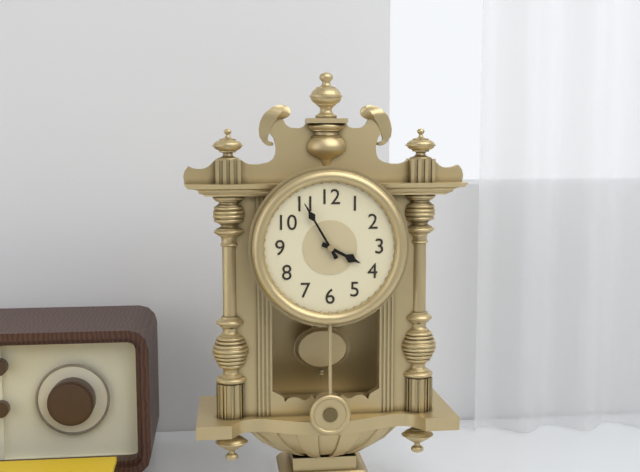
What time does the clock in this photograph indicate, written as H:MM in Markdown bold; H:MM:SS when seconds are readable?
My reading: **3:55**
